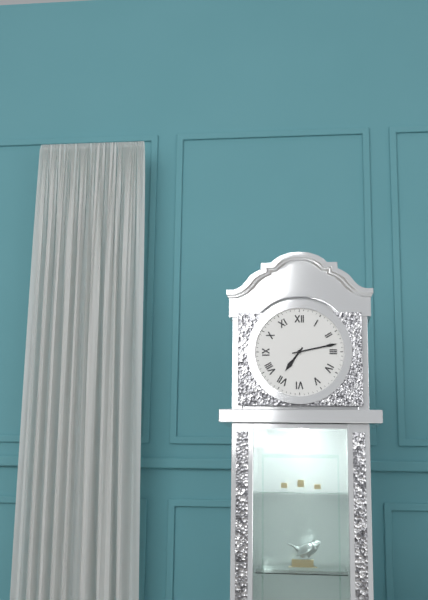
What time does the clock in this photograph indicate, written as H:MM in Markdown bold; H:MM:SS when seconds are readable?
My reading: **7:13**
